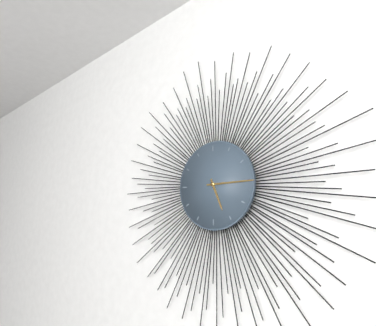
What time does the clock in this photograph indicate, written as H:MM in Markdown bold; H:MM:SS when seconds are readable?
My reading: **5:15**
